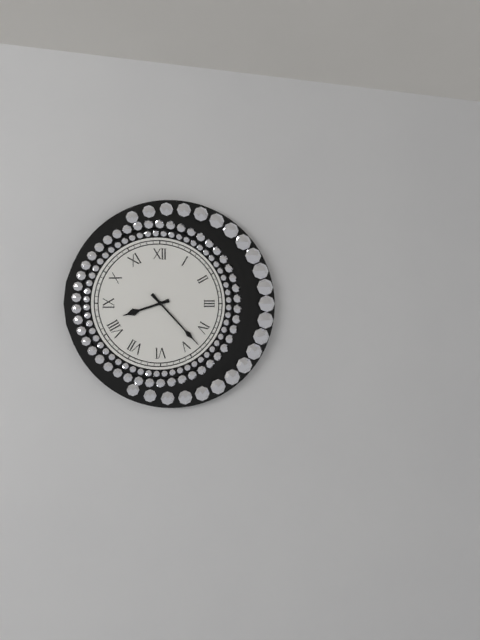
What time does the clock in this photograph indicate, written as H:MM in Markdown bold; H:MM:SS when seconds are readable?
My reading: **8:23**
